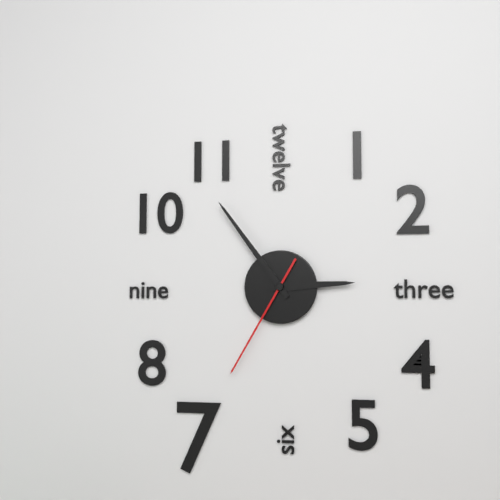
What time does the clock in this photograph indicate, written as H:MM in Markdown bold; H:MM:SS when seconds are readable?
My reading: **2:54:35**
